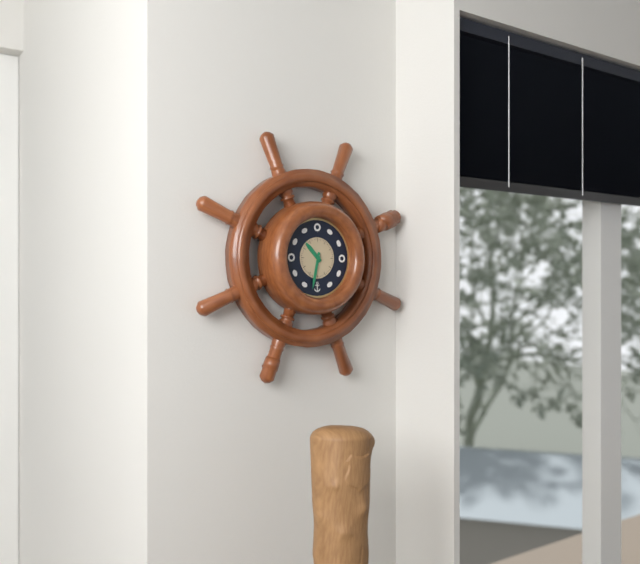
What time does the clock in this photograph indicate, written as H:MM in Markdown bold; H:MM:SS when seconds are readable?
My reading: **10:32**
